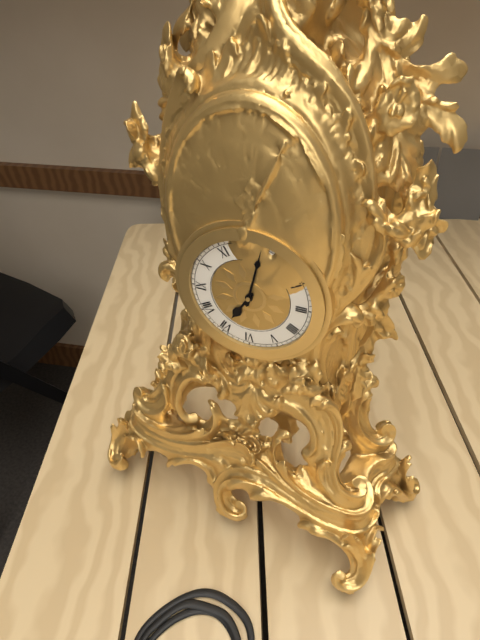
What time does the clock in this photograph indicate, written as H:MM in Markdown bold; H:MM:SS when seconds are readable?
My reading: **7:02**
